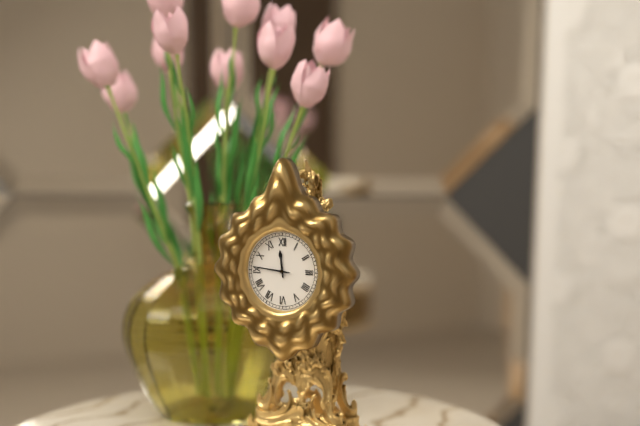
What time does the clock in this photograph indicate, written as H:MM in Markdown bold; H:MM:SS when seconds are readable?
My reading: **11:46**
